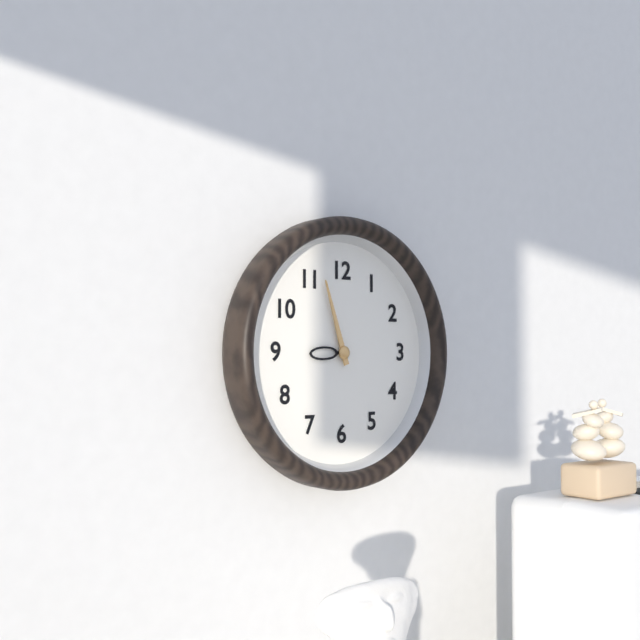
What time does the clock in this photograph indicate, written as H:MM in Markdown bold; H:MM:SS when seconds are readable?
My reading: **8:57**
